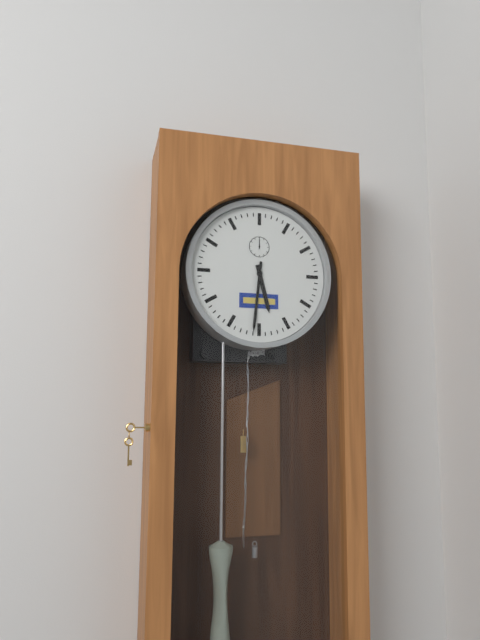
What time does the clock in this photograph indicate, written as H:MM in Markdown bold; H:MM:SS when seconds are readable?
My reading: **5:31**
